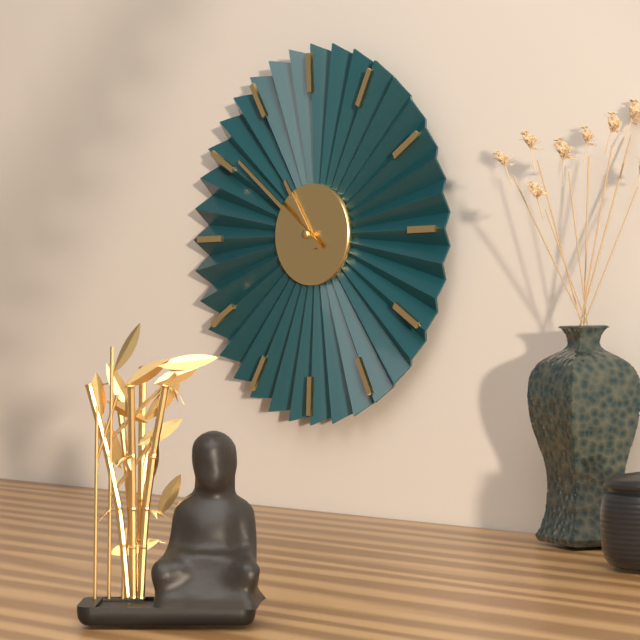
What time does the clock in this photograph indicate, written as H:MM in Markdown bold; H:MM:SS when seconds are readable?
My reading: **10:51**
